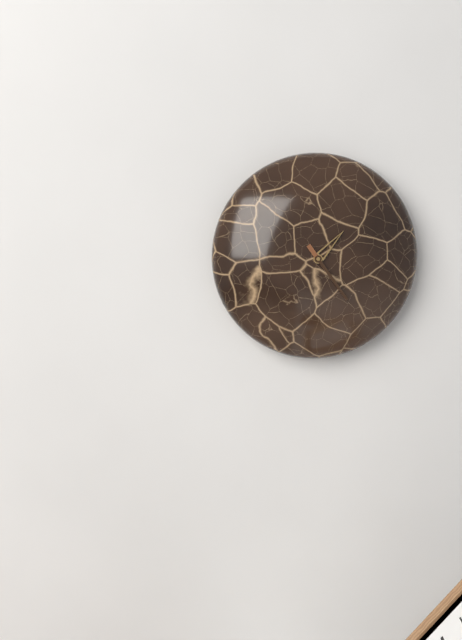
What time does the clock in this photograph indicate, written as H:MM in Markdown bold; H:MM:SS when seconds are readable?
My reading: **1:24**
